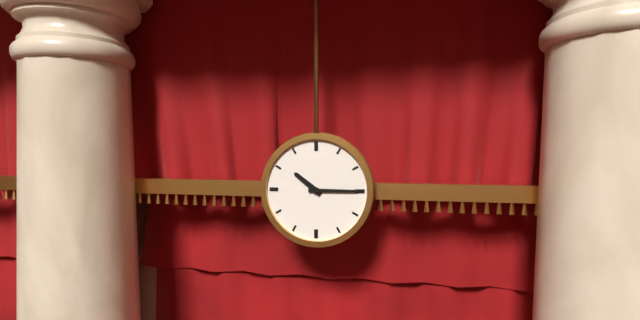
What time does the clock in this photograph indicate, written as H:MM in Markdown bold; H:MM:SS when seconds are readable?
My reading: **10:15**
